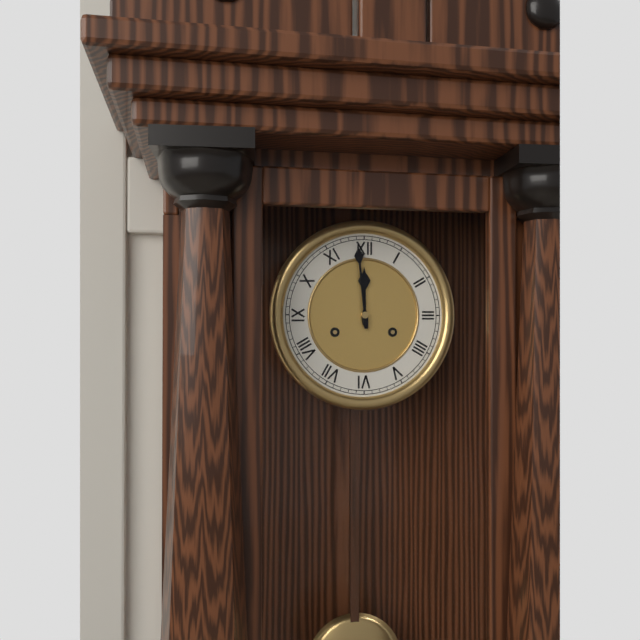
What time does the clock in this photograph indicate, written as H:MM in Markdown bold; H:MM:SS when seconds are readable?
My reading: **11:59**
